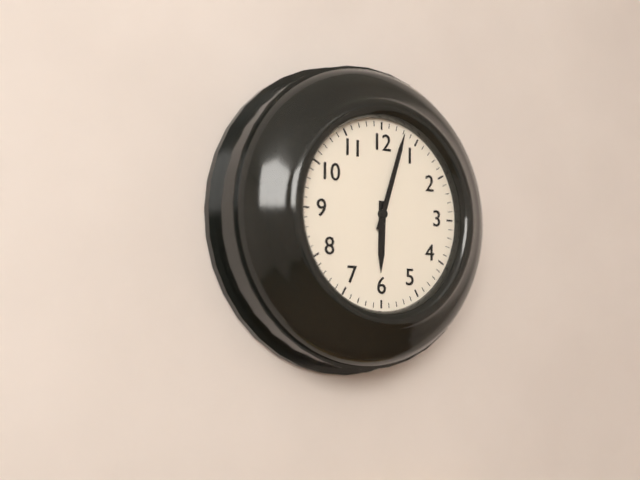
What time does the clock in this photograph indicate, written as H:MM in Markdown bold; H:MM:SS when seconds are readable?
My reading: **6:03**
